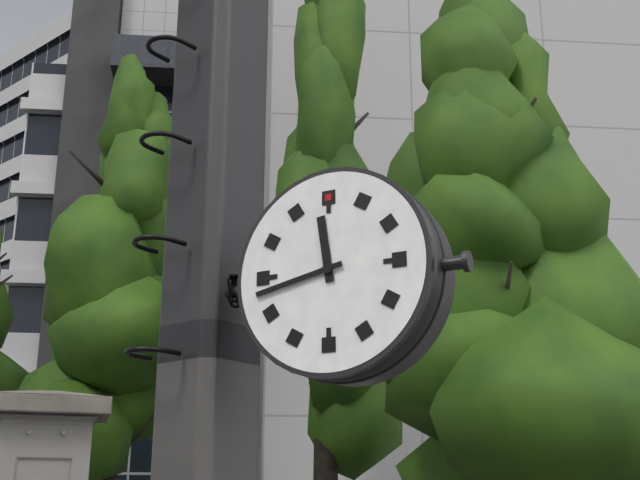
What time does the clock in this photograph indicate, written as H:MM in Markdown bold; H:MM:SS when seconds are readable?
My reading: **11:43**
